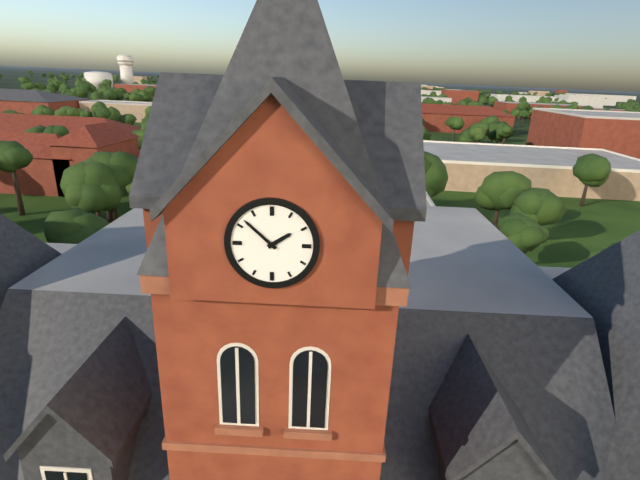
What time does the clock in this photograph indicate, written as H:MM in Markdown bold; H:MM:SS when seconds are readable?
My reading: **1:52**
